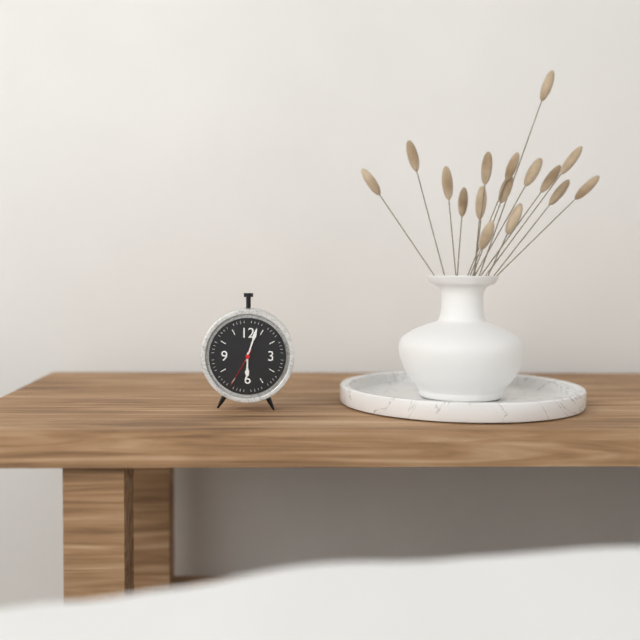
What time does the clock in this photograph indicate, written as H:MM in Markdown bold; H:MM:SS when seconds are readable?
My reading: **6:03**
